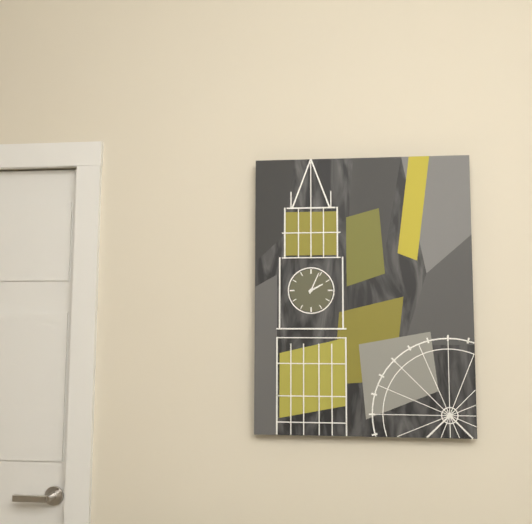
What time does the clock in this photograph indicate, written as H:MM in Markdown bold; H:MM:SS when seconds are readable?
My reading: **2:04**
